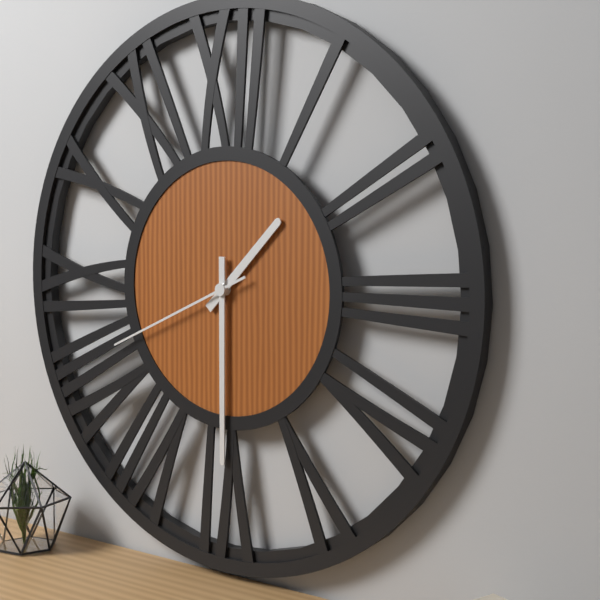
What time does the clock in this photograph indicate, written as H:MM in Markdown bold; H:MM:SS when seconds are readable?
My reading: **1:30:41**
